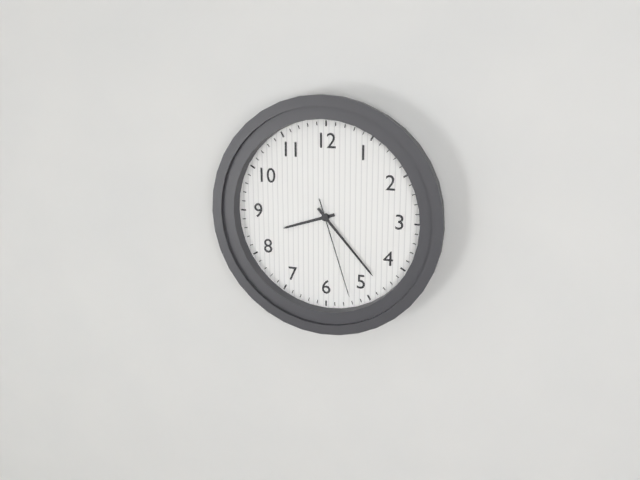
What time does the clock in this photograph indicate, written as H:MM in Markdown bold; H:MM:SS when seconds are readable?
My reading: **8:23:27**
